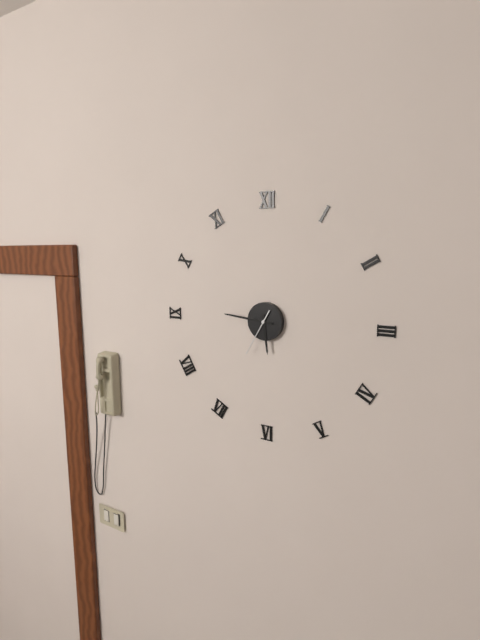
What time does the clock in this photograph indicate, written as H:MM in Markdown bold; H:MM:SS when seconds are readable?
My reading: **5:46**
